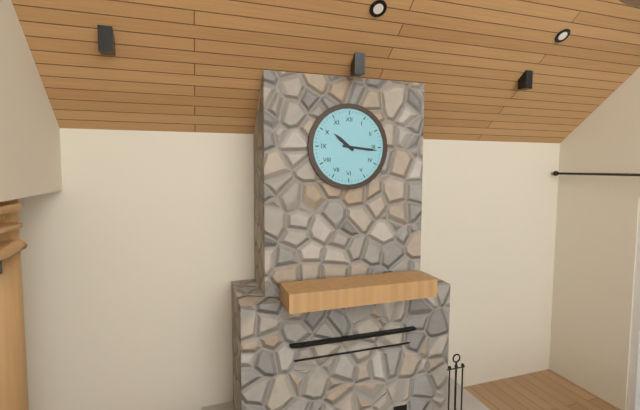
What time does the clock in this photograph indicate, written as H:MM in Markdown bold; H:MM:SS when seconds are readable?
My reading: **10:16**
